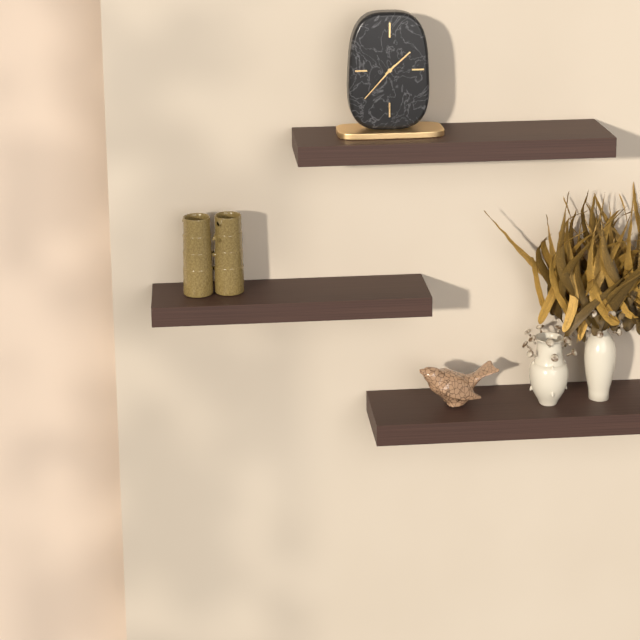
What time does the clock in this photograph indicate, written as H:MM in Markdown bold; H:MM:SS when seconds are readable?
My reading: **1:37**
